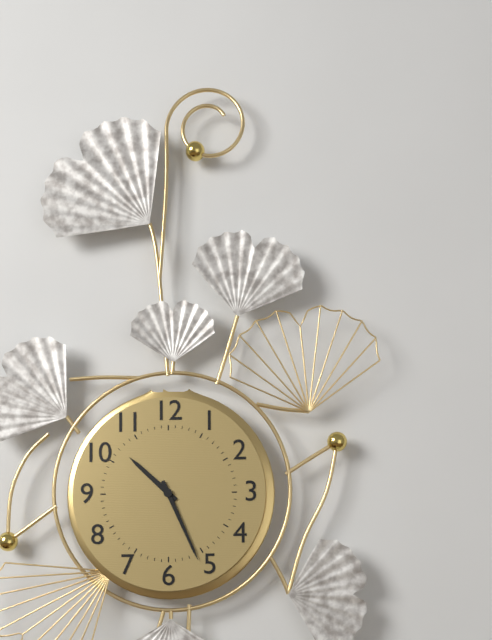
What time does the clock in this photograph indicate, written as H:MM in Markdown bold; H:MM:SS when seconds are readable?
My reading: **10:26**
